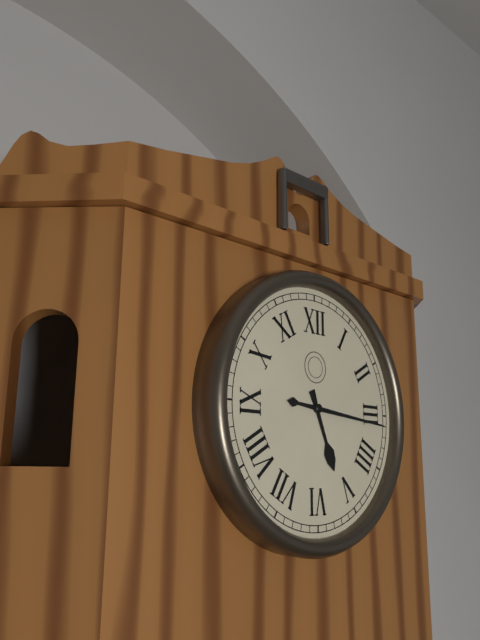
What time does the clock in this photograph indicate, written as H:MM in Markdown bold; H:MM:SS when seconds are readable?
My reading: **5:16**
